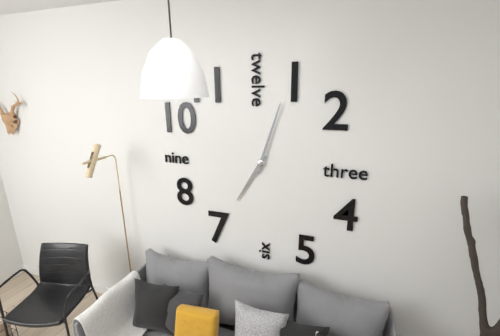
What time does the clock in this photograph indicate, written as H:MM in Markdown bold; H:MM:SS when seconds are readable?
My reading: **7:03**
